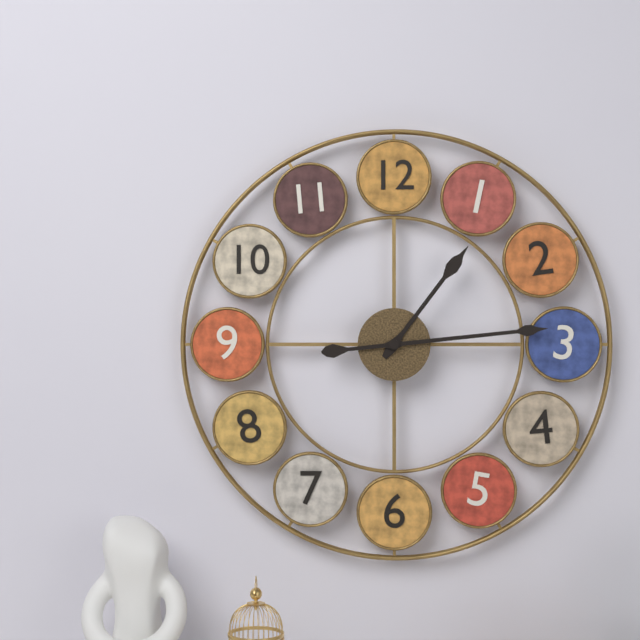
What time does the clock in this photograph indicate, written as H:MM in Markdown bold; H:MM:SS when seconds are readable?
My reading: **1:14**
